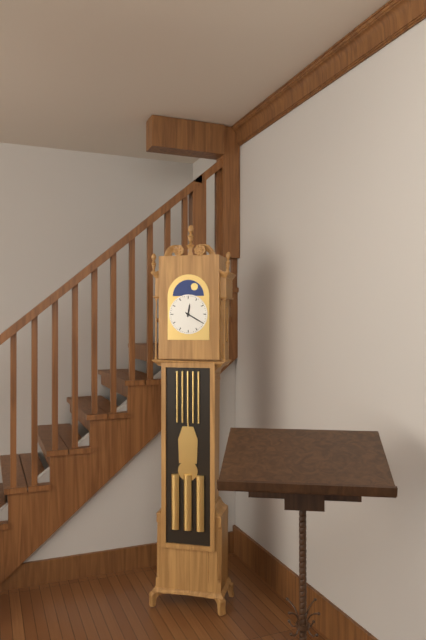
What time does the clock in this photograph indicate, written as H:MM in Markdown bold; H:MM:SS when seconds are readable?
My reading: **12:20**
